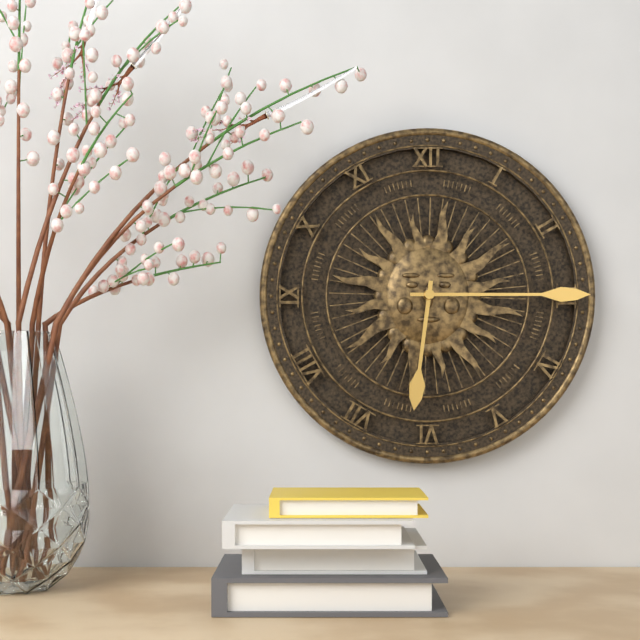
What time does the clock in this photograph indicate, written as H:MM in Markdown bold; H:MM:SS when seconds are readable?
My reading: **6:15**
